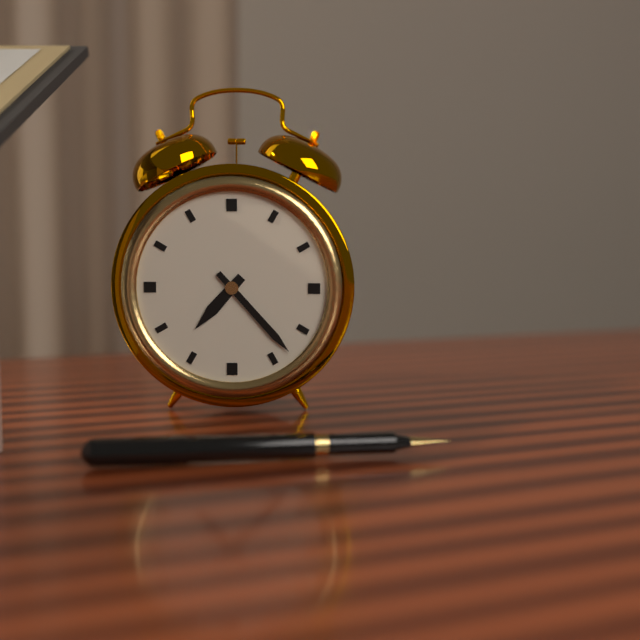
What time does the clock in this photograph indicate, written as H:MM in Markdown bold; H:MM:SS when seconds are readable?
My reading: **7:23**
